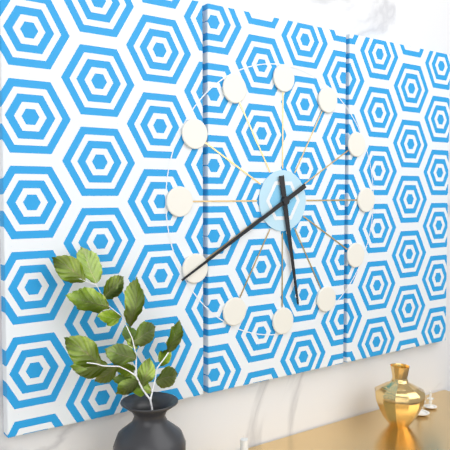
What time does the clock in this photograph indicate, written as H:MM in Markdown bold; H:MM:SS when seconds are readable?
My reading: **5:40**
